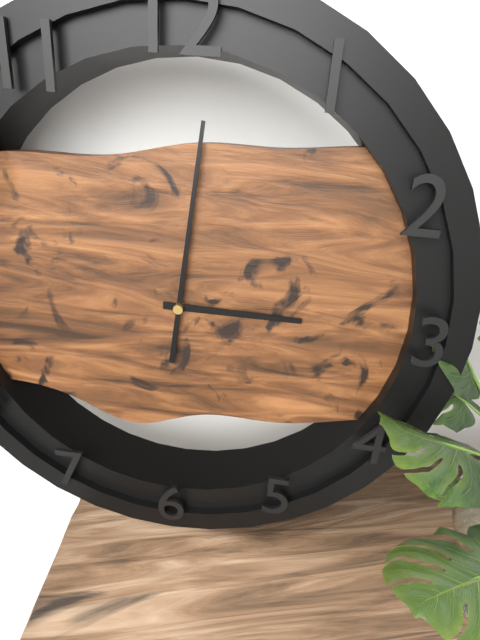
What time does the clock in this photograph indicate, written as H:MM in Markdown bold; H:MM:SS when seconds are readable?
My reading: **3:01**
